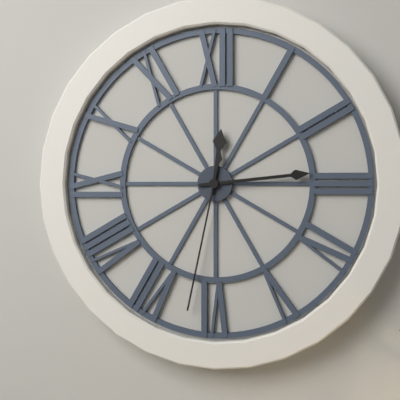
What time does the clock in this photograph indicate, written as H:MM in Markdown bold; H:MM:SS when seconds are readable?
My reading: **12:14:32**
